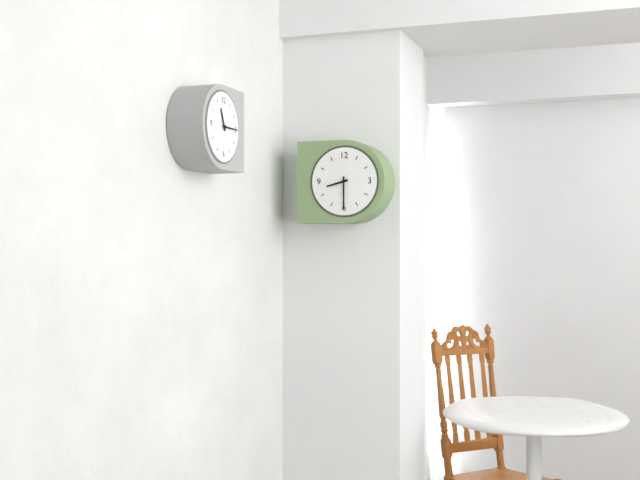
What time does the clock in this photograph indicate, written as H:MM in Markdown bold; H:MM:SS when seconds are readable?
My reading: **8:30**
